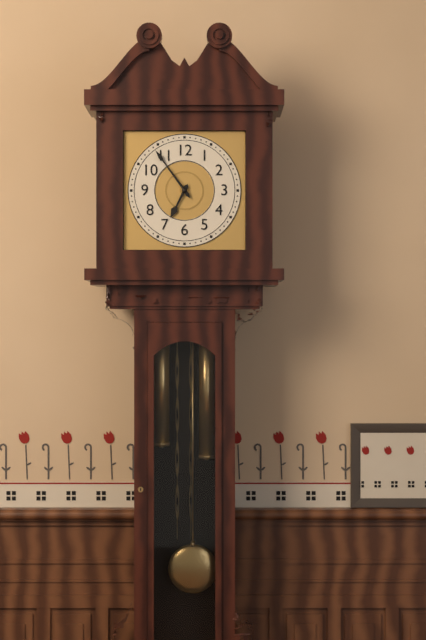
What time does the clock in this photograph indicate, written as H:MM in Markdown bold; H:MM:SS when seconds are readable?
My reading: **6:54**
